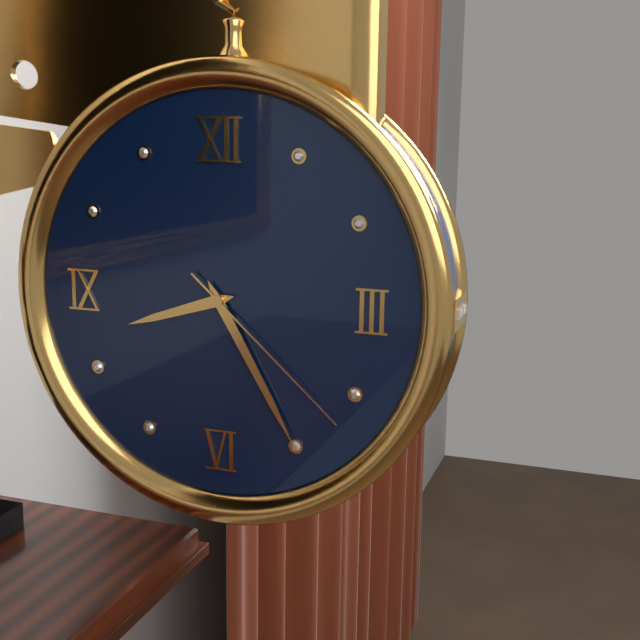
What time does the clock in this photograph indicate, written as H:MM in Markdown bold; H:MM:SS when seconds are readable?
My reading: **8:25:22**
